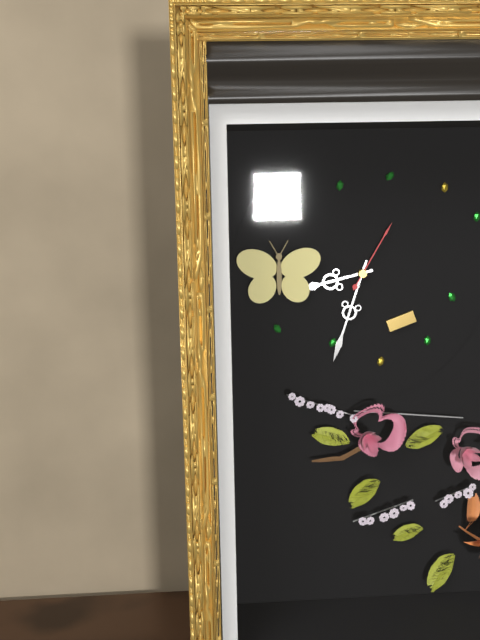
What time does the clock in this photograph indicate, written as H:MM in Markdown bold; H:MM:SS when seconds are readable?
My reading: **8:33:05**
